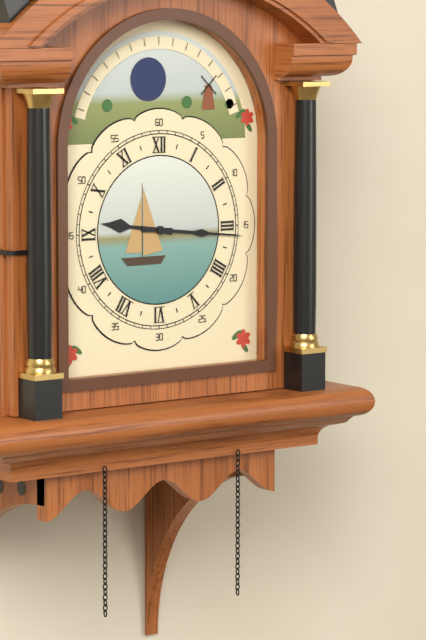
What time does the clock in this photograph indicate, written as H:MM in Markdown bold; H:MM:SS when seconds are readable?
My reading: **9:16**
